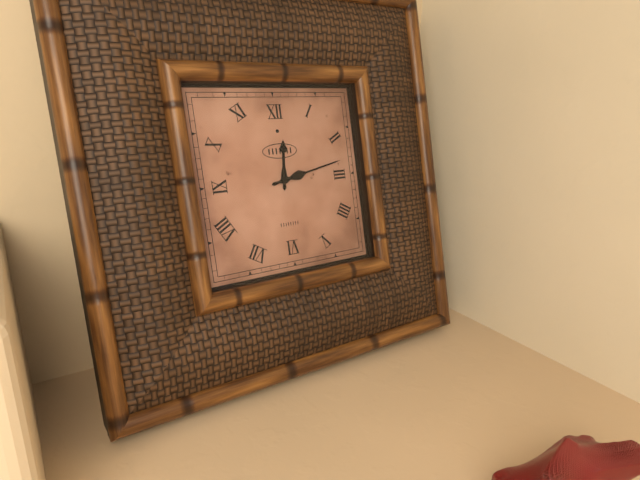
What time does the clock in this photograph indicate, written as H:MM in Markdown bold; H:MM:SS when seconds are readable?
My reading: **12:13**
